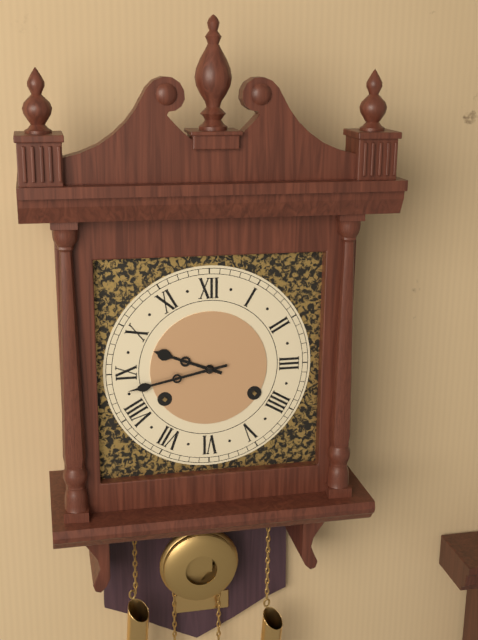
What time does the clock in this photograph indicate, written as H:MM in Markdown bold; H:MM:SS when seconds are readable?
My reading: **9:43**
